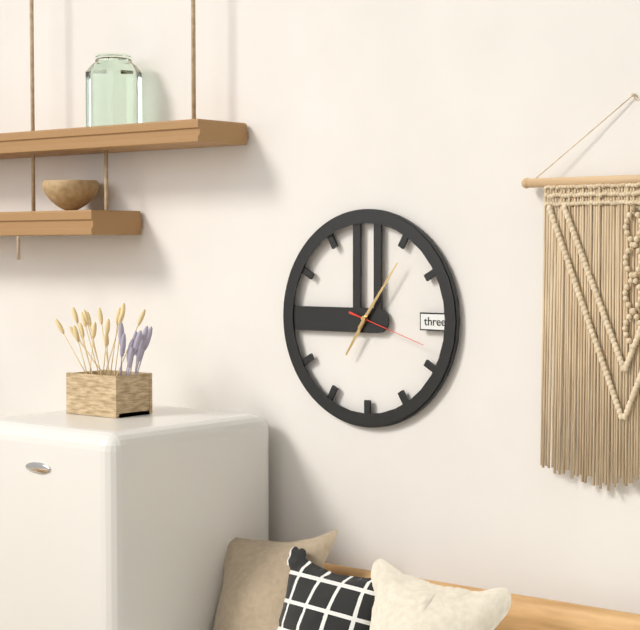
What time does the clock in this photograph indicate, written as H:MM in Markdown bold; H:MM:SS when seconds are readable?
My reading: **7:06:18**
